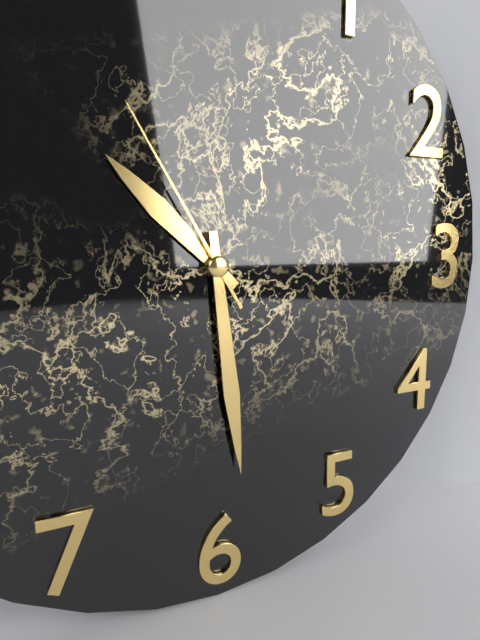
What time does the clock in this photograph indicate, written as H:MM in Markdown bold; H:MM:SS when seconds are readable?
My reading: **10:29:55**
